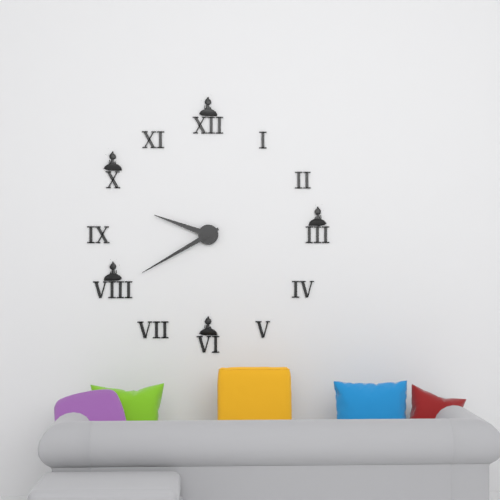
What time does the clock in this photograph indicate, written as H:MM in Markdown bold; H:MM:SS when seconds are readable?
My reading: **9:40**
